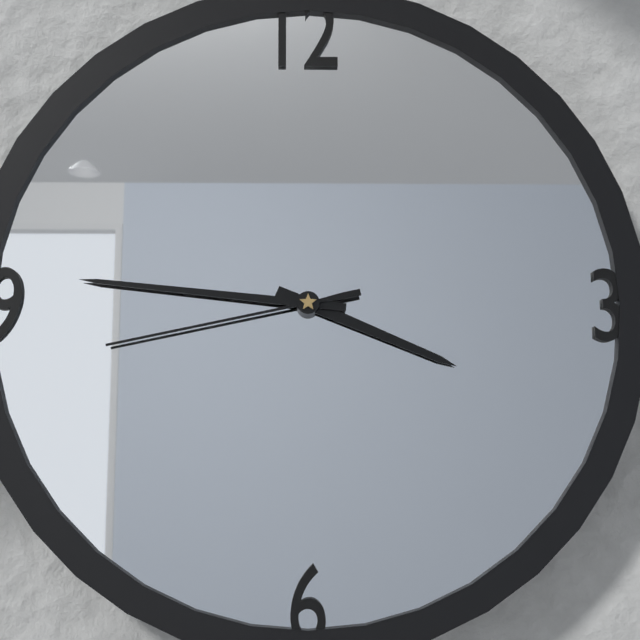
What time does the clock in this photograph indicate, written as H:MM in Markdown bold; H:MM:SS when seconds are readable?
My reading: **3:46:43**
